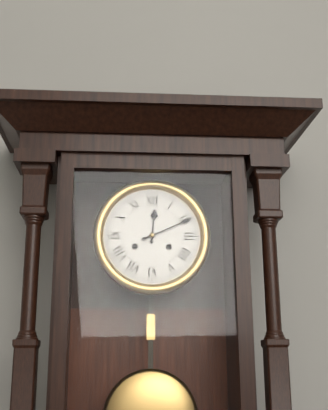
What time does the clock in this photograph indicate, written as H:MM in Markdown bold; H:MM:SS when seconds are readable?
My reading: **12:11**
